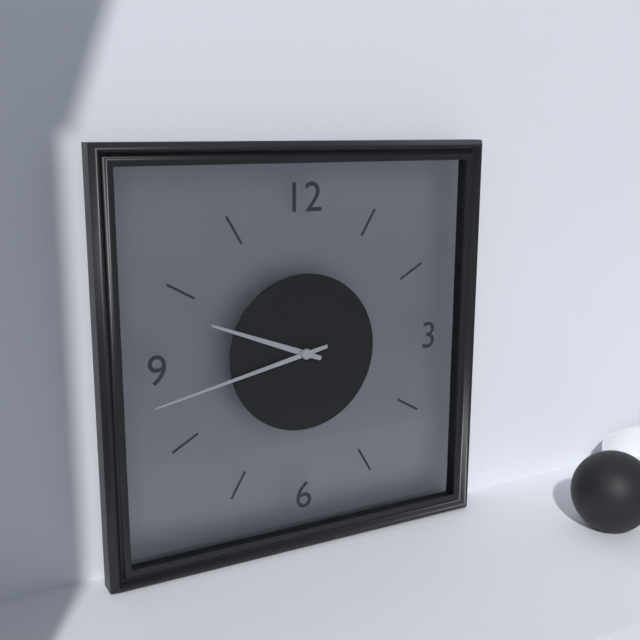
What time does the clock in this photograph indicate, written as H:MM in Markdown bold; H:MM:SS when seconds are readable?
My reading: **9:43**
